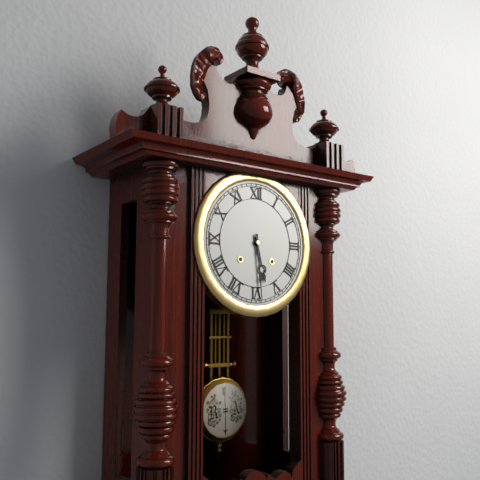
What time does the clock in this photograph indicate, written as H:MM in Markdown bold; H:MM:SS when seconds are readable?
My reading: **5:29**
